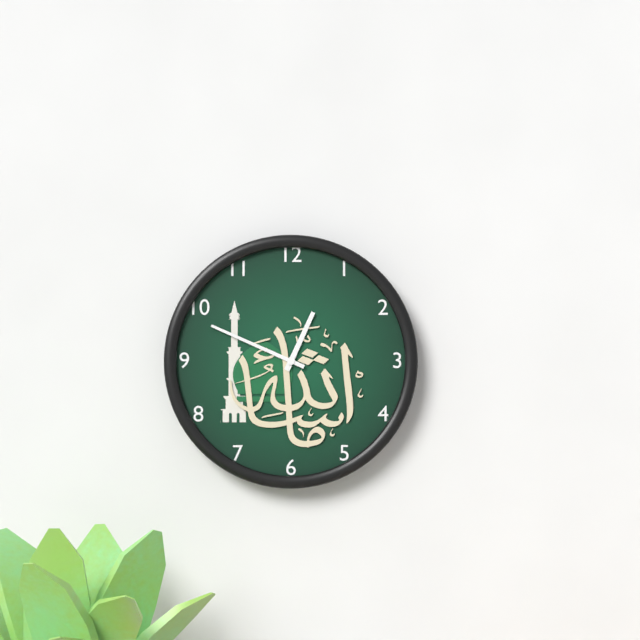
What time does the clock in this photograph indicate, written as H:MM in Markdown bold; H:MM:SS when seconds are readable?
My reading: **12:49**
